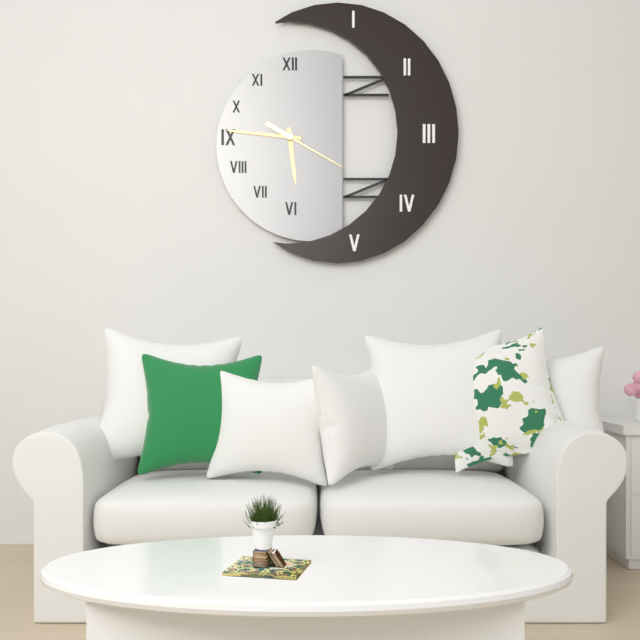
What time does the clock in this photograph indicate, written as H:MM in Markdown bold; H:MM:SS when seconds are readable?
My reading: **5:46:20**
